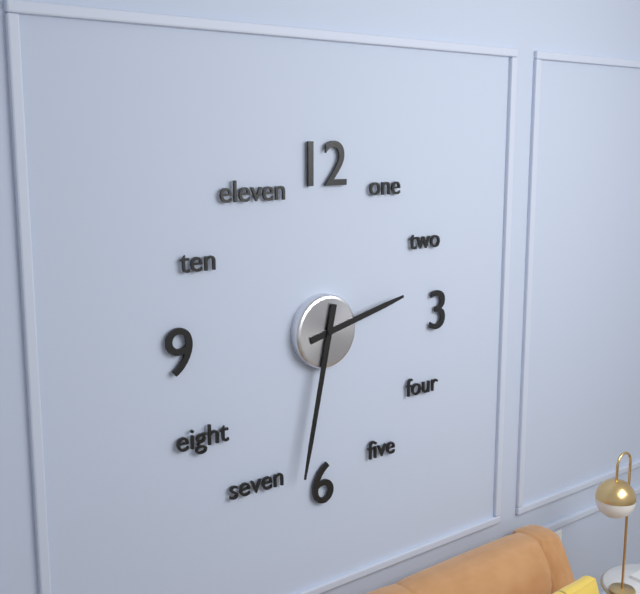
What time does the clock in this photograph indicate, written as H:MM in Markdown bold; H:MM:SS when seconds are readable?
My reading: **2:32**
